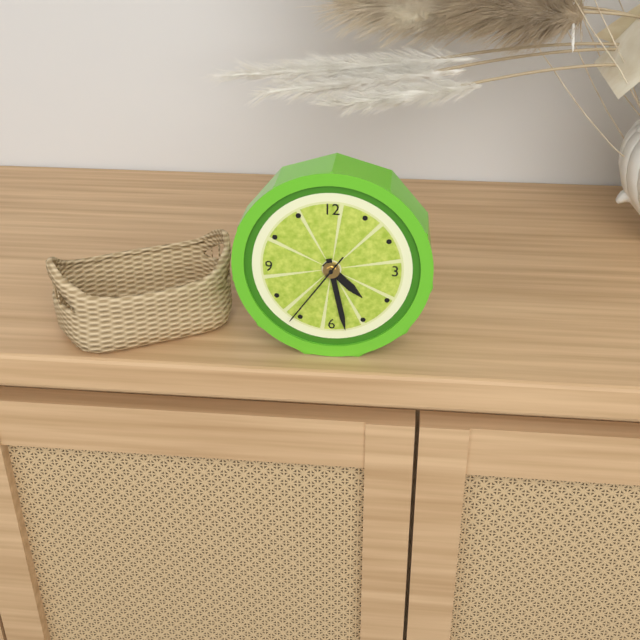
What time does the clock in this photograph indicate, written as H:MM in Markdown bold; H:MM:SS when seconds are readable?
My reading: **4:28:36**
